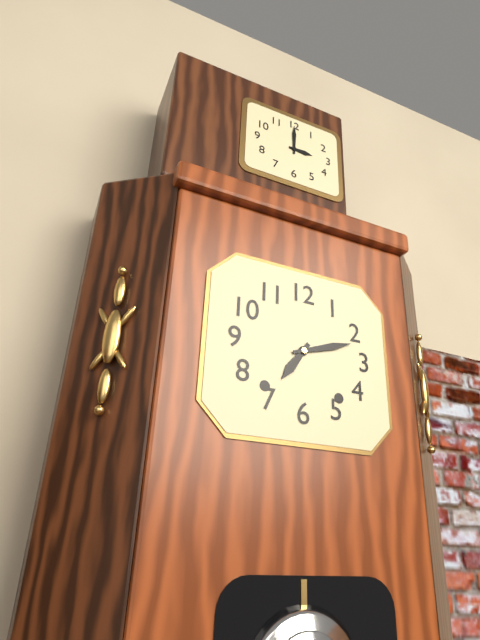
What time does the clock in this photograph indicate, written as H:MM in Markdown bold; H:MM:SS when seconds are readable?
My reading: **7:12**
